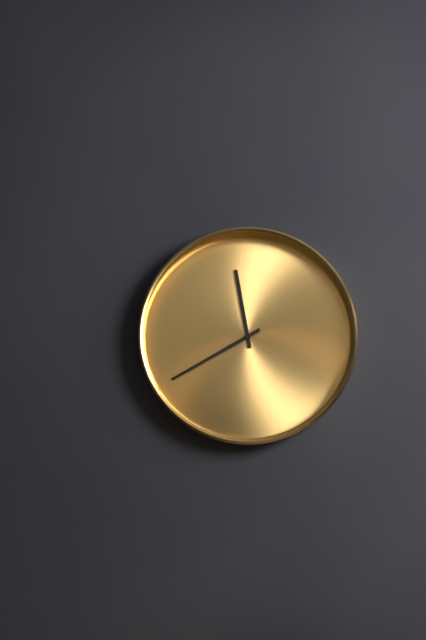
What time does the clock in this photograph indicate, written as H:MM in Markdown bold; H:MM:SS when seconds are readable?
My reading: **11:40**
